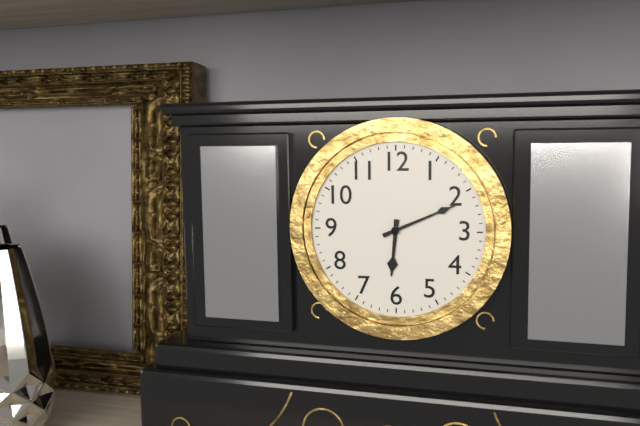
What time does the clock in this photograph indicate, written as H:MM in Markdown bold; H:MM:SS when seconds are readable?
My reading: **6:11**
